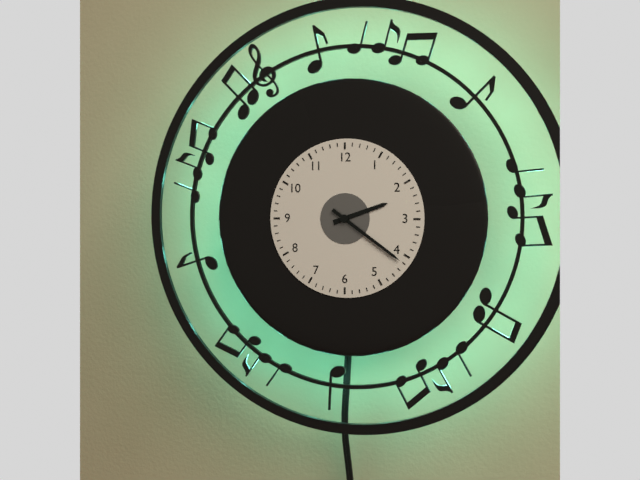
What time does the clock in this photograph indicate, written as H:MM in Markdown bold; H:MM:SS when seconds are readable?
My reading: **2:21**
